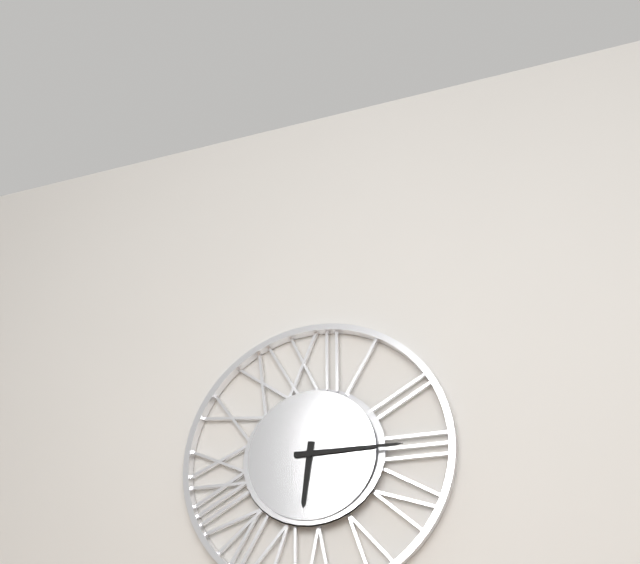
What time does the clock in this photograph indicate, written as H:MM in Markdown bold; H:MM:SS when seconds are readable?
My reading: **6:15**
